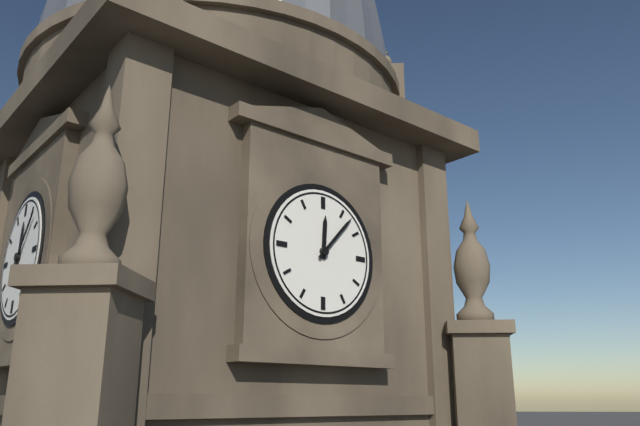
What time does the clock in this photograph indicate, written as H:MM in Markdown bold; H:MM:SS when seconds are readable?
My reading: **12:07**
